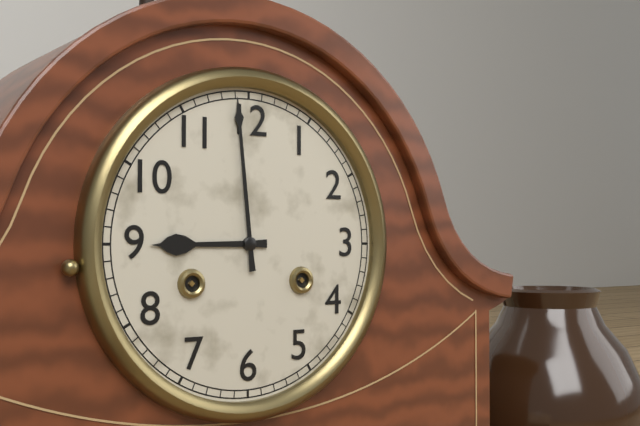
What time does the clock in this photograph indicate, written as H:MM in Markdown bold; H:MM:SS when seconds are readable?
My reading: **8:59**
